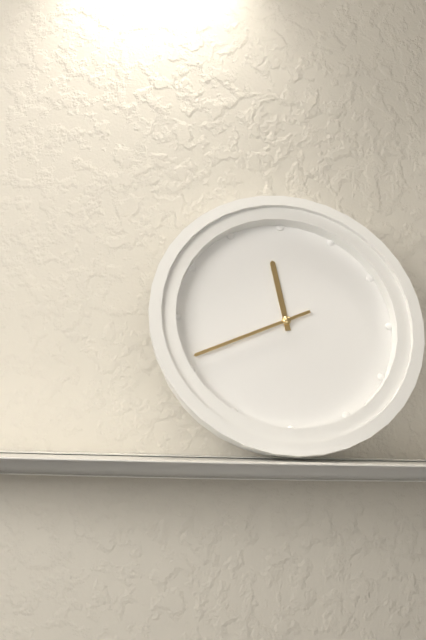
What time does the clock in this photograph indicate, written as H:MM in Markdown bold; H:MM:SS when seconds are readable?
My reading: **11:41**
